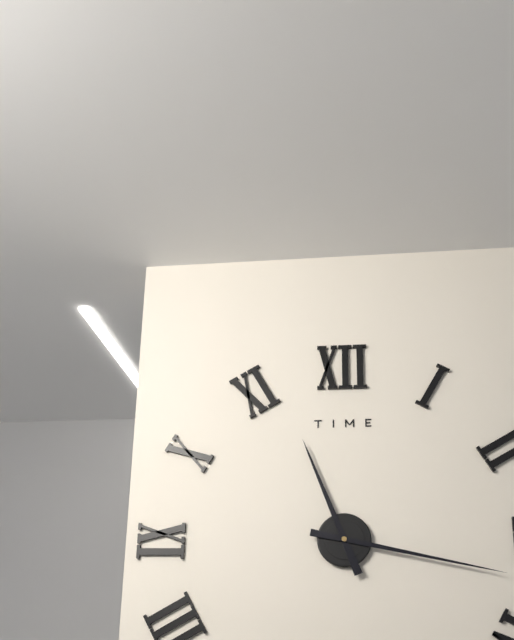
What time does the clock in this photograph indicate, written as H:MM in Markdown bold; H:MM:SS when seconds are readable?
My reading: **11:17**
